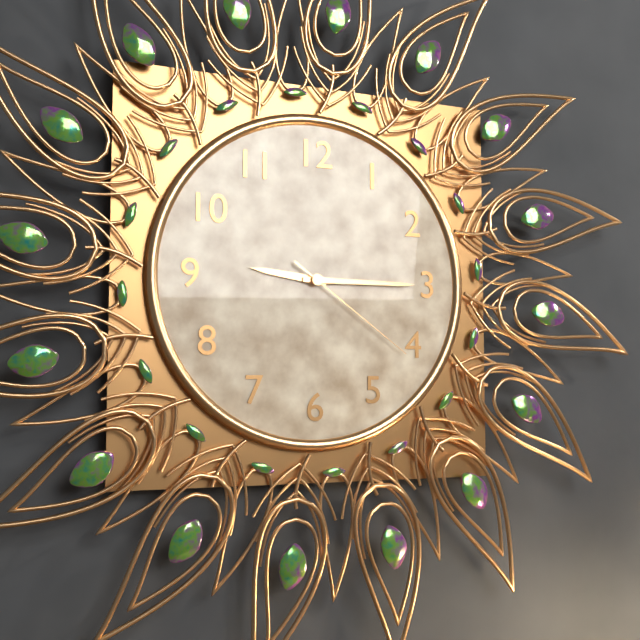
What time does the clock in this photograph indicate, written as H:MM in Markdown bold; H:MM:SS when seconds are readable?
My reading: **9:15:21**
